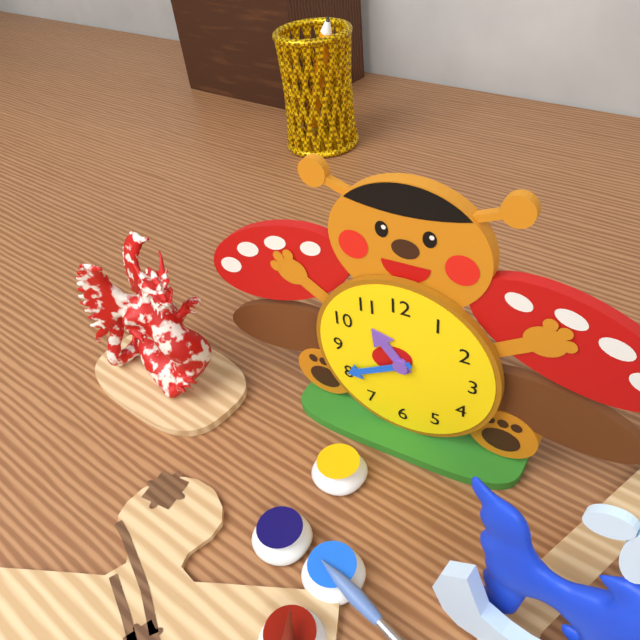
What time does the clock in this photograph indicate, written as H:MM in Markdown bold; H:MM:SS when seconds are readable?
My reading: **10:40**
